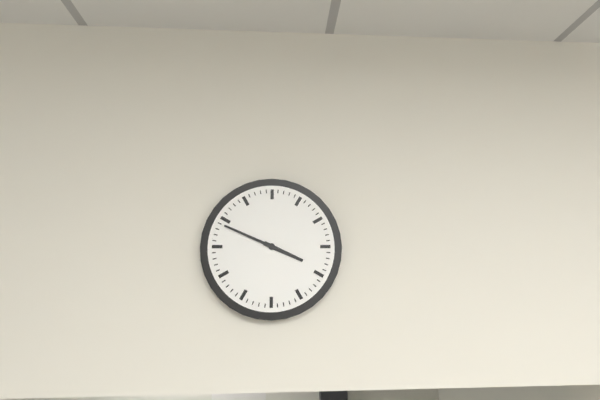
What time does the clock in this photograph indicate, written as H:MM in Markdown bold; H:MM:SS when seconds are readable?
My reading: **3:49**
